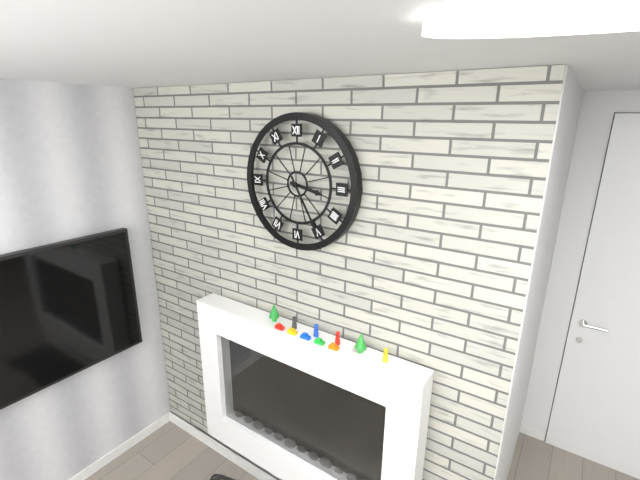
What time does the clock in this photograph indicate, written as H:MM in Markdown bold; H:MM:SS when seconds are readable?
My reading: **3:25**
